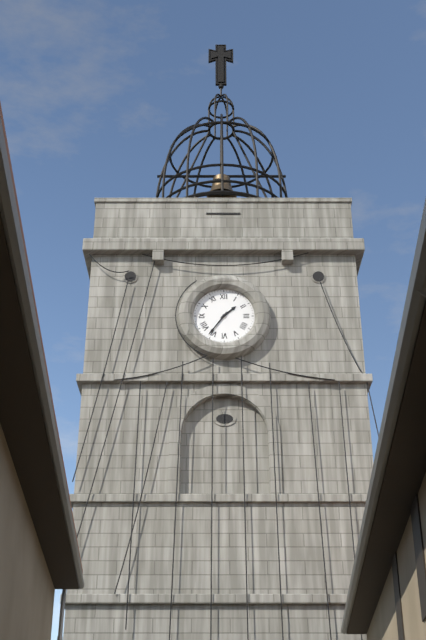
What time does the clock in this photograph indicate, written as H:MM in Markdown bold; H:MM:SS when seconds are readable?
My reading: **1:36**
